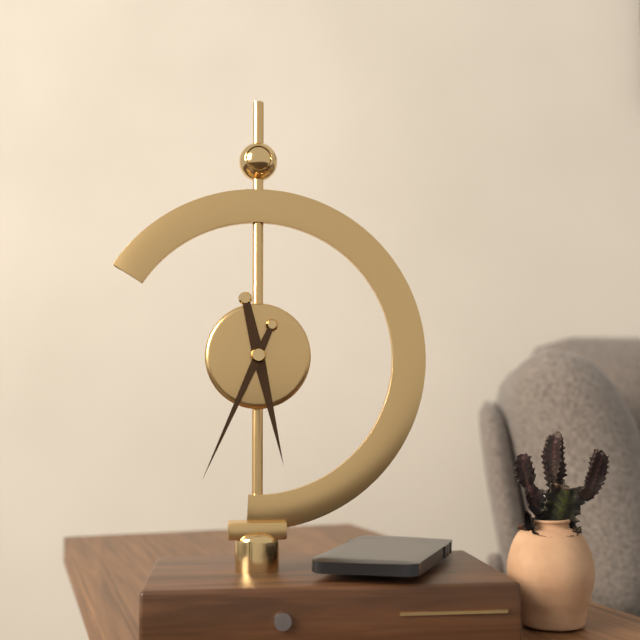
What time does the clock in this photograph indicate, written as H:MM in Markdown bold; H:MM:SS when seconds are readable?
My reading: **5:34**
